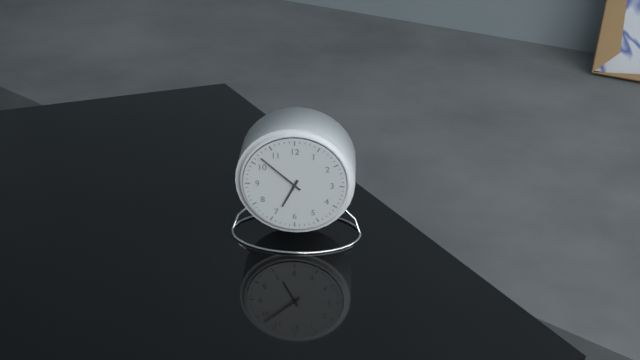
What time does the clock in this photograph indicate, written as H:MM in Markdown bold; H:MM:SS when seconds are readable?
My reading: **6:52**
